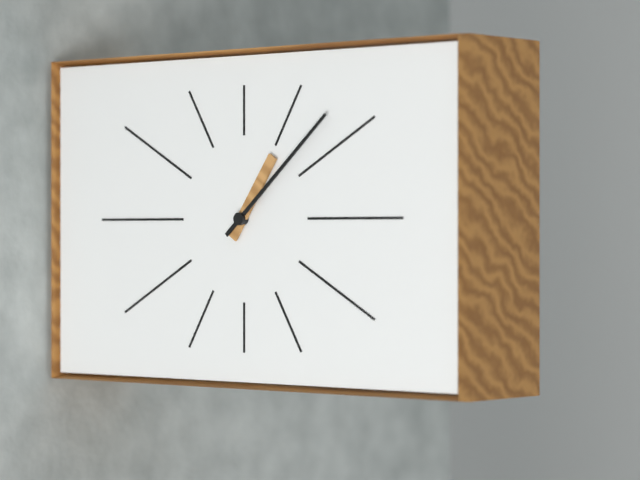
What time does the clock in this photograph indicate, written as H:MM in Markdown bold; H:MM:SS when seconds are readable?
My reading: **1:08**
